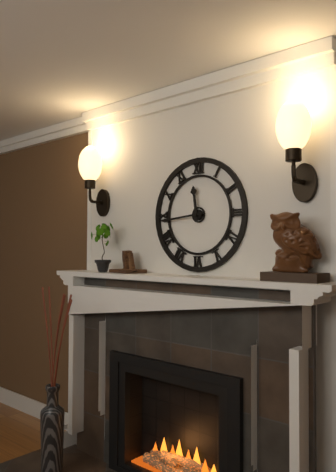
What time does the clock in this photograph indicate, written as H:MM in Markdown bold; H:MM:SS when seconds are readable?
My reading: **11:44**
